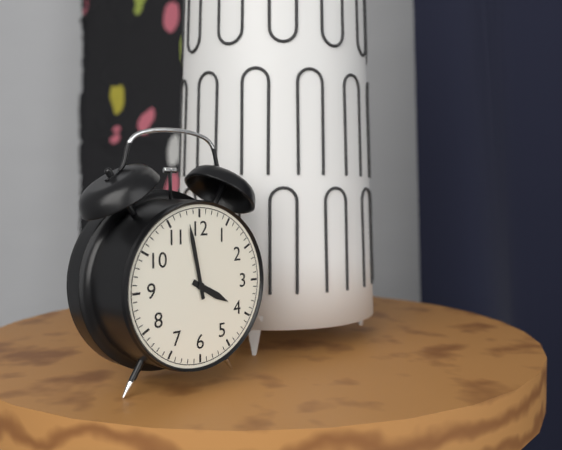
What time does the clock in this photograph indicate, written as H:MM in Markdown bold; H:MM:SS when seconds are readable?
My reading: **3:58**
